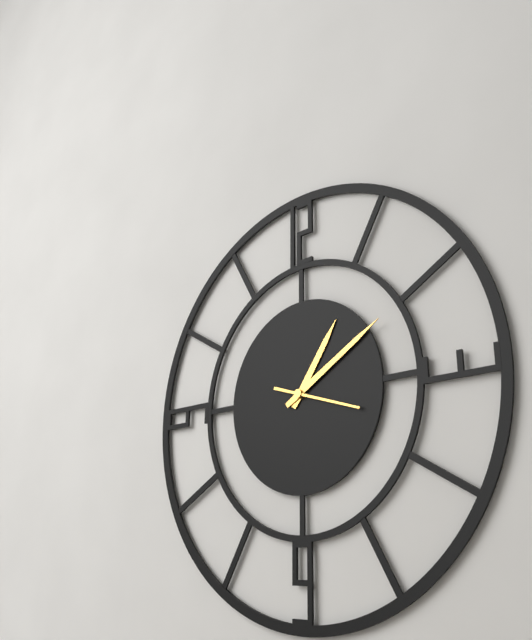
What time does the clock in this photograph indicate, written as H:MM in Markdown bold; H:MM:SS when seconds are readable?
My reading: **1:10:18**
